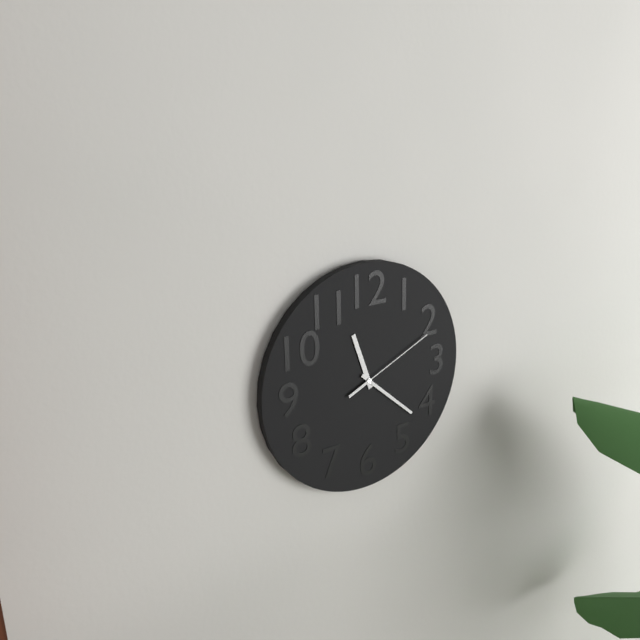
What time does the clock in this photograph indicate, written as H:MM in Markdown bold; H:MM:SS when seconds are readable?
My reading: **11:22:11**
